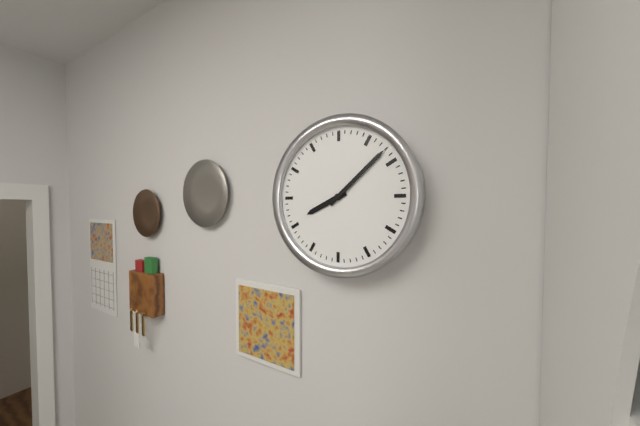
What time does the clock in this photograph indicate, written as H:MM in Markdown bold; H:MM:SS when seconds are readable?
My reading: **8:08**
